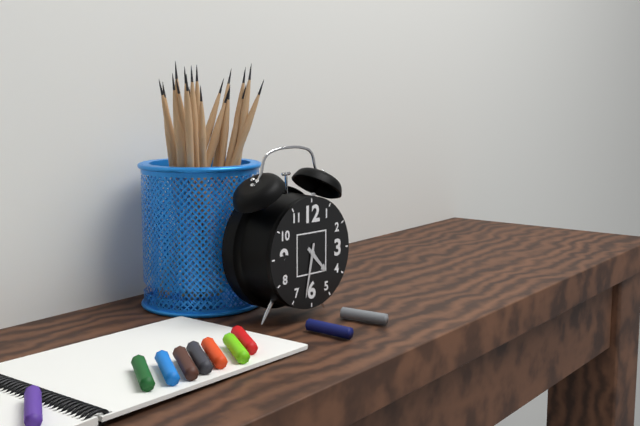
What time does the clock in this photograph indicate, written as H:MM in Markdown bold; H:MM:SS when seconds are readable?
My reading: **4:32**
